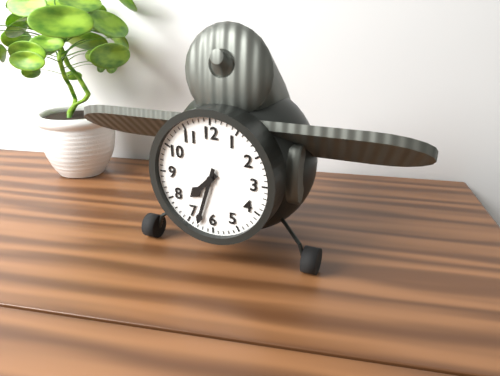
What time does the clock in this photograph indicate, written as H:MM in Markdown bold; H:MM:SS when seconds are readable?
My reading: **7:33**
